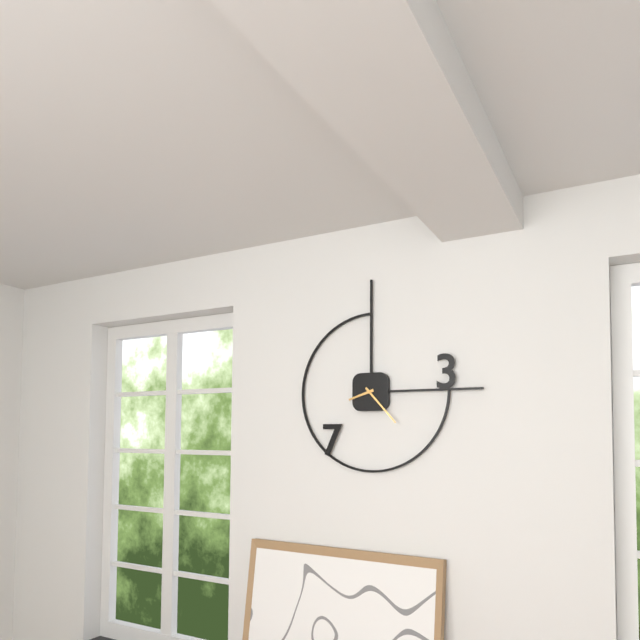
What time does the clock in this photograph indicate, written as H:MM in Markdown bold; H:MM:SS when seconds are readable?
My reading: **8:23**
